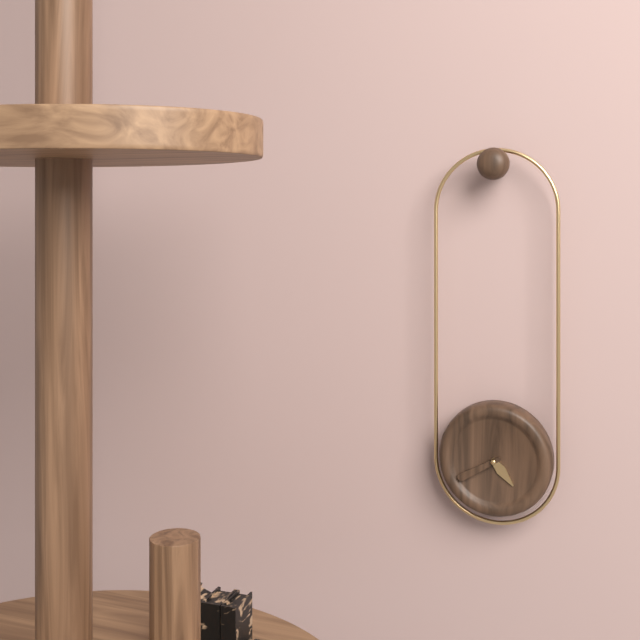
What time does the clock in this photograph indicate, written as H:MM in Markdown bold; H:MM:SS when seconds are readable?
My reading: **4:40**
